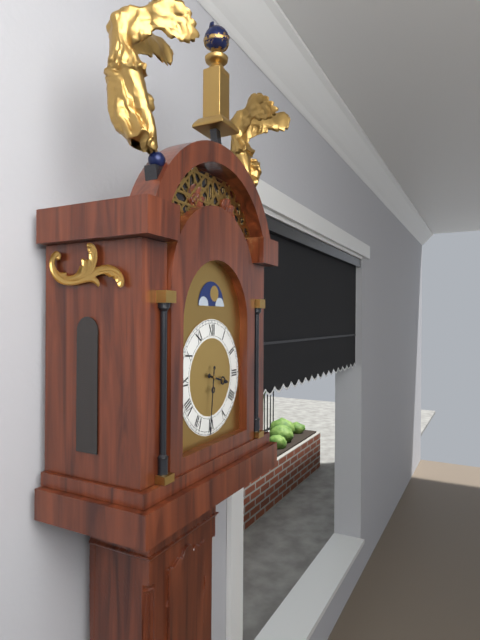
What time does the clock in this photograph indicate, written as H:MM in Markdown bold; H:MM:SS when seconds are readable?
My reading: **3:31**
